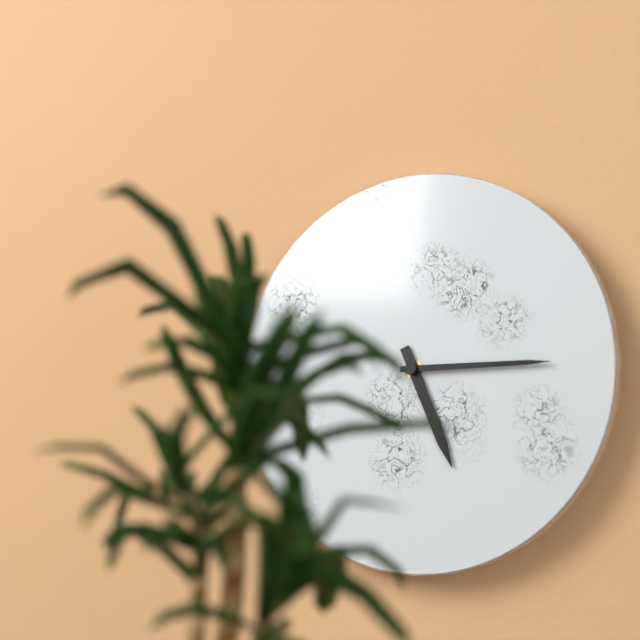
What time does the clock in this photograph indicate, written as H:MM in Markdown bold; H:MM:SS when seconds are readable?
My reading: **5:15**
